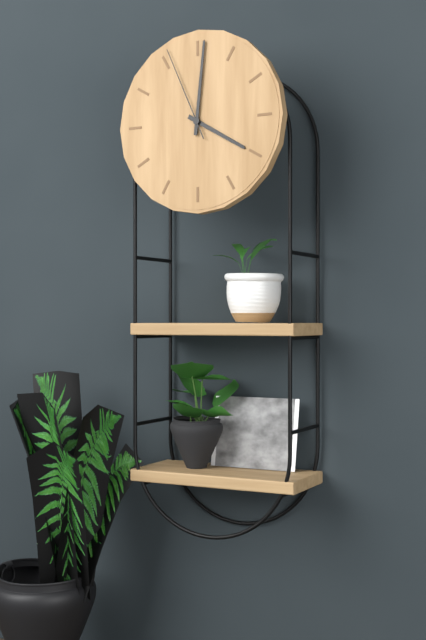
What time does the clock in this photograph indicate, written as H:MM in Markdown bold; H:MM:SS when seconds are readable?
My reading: **4:01:56**
